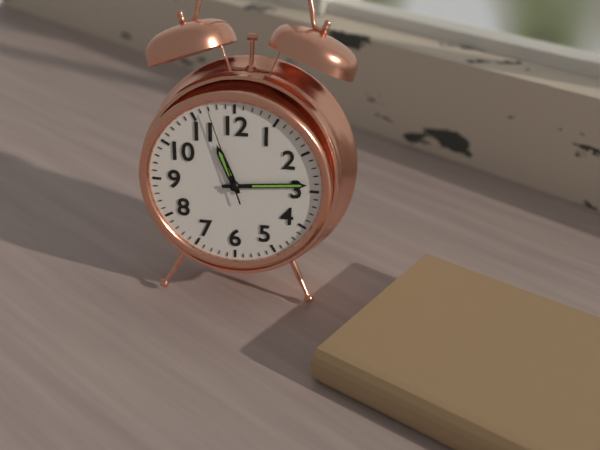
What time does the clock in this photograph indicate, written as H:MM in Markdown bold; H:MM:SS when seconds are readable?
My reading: **11:14:57**
